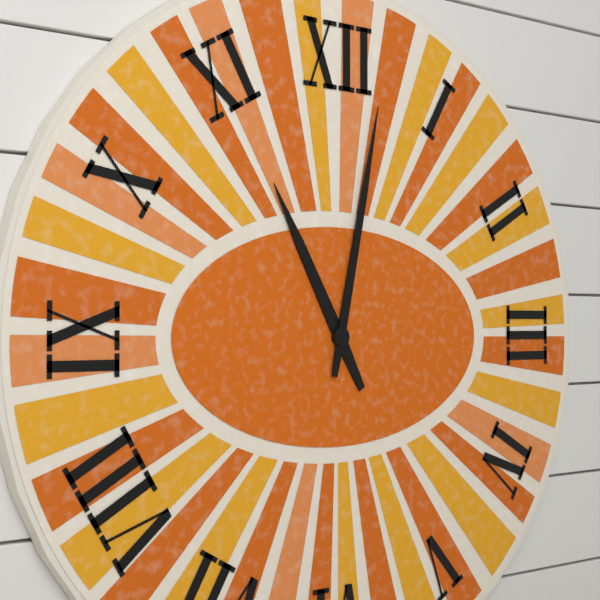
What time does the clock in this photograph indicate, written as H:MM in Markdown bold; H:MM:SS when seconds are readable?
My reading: **11:02**
